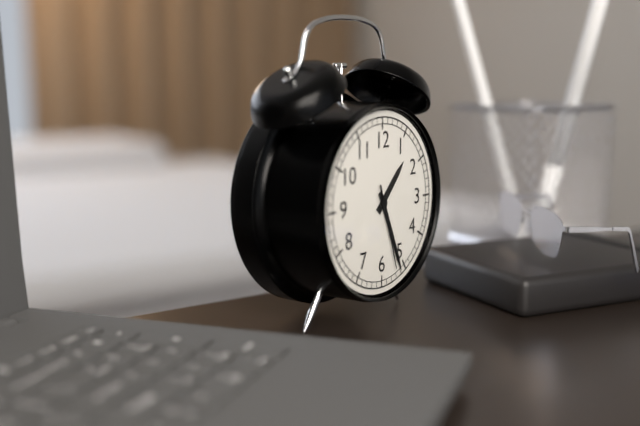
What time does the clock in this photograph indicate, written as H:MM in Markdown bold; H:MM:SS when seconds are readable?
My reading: **1:26:27**
